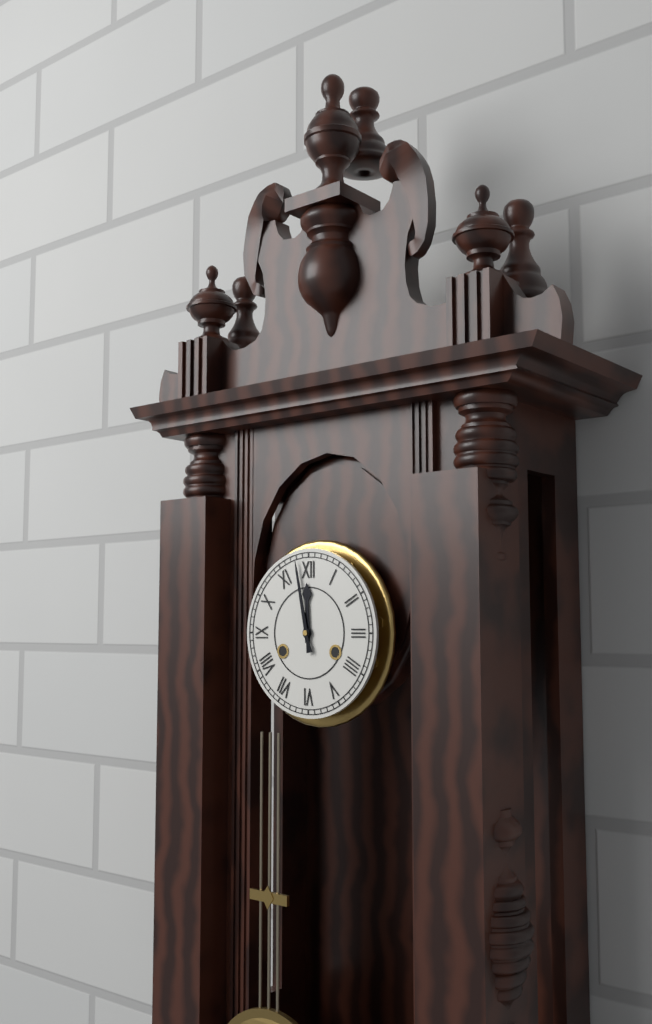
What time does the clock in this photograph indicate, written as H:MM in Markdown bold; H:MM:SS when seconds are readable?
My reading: **11:58**
